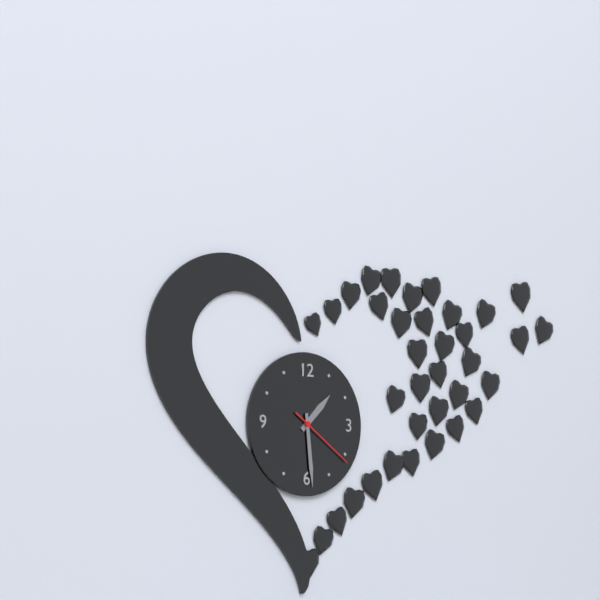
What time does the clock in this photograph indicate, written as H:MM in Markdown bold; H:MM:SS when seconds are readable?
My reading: **1:29:21**
